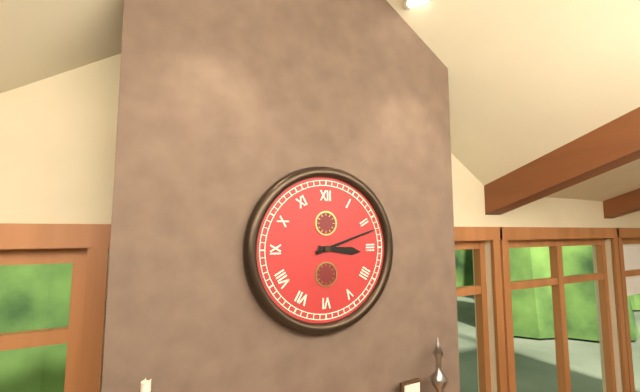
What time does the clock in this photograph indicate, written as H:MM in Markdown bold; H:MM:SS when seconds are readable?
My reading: **3:12**
